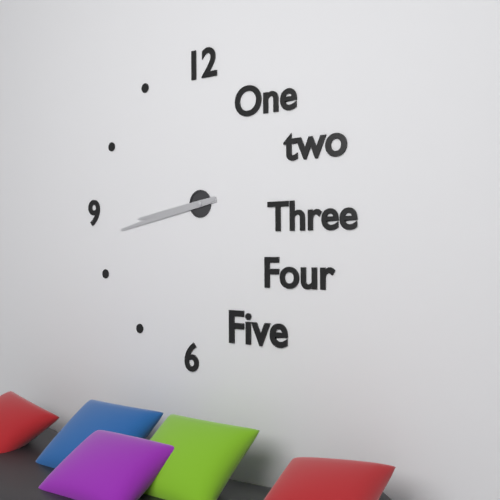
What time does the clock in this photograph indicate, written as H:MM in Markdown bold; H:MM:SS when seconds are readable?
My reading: **8:43**
